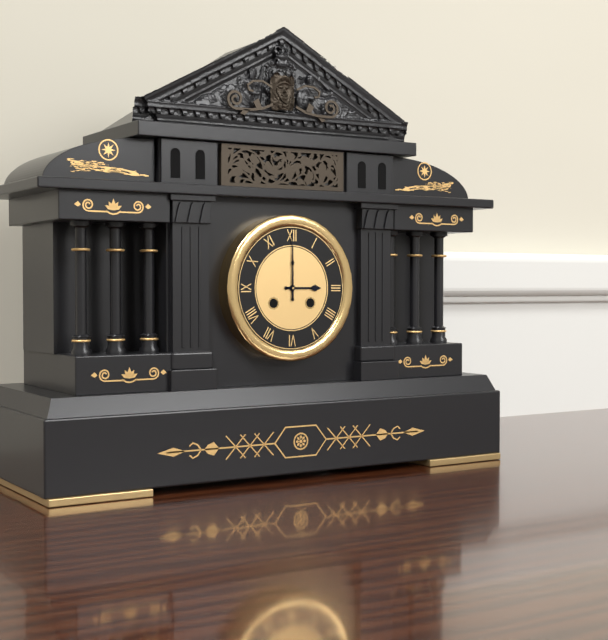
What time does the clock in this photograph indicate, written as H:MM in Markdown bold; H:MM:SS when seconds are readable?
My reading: **3:00**
